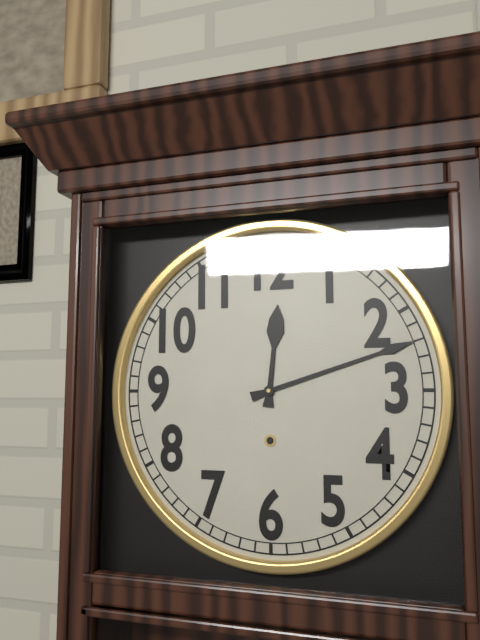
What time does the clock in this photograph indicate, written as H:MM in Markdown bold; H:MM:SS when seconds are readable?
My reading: **12:12**
